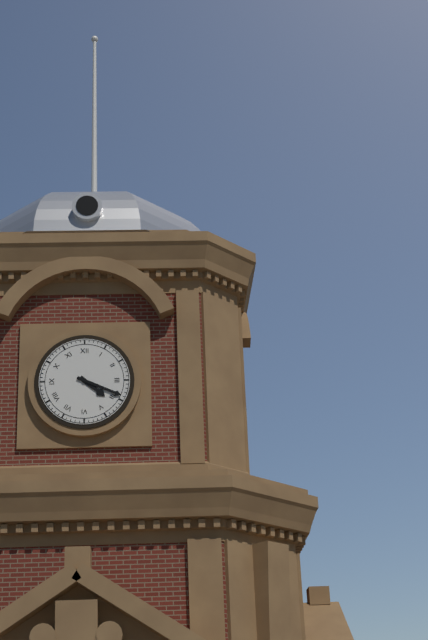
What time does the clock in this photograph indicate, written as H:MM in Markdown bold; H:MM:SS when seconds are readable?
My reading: **4:19**
